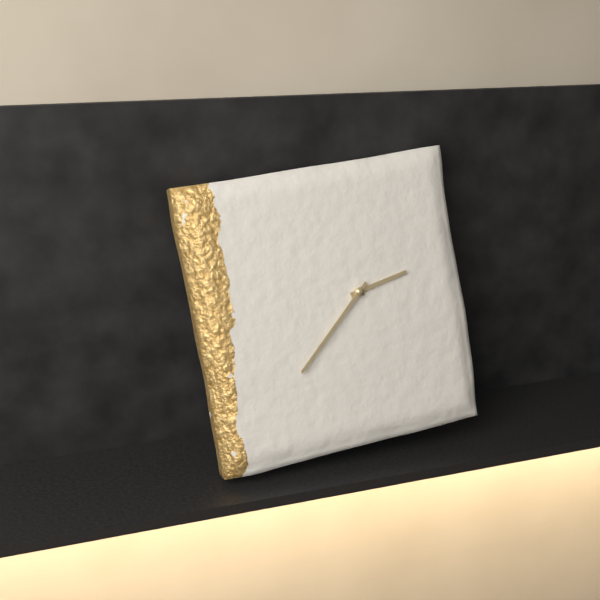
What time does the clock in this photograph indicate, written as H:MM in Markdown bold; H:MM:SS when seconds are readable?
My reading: **2:38**
